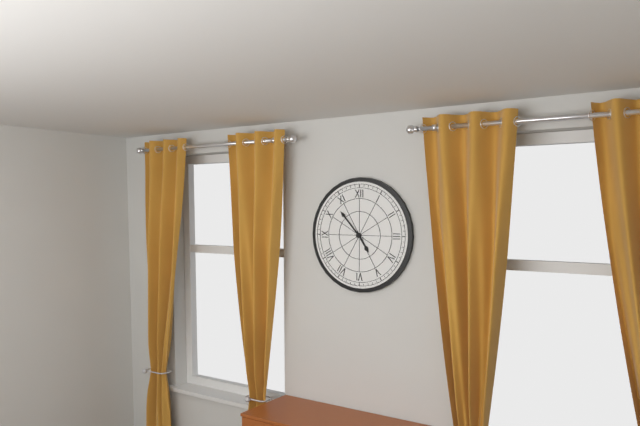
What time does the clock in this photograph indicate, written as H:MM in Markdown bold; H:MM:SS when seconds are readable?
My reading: **4:53**
